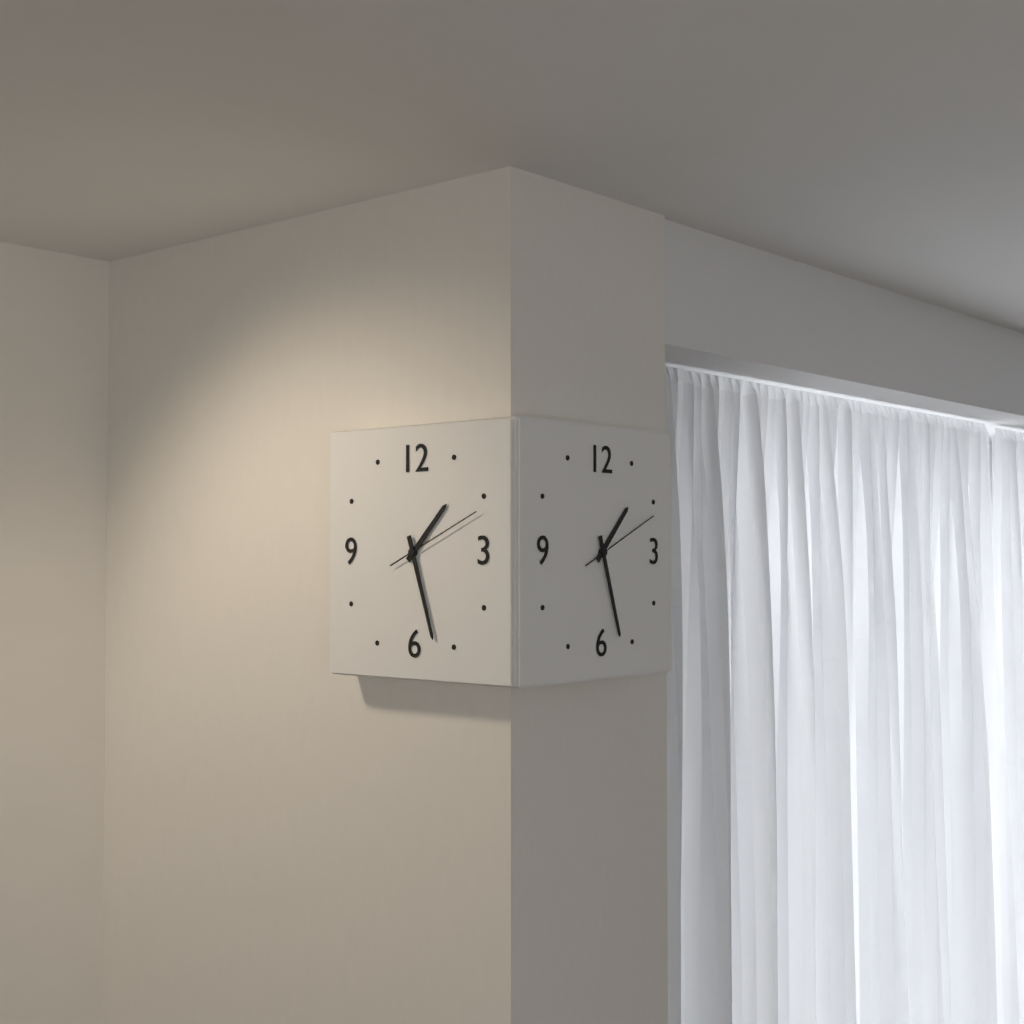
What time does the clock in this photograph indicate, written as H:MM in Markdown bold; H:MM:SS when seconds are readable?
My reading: **1:27:11**
